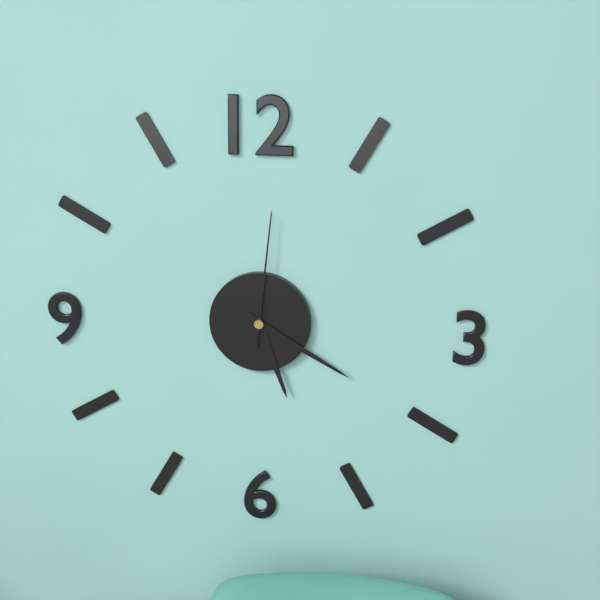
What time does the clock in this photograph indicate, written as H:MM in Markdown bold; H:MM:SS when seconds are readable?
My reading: **5:20:01**
